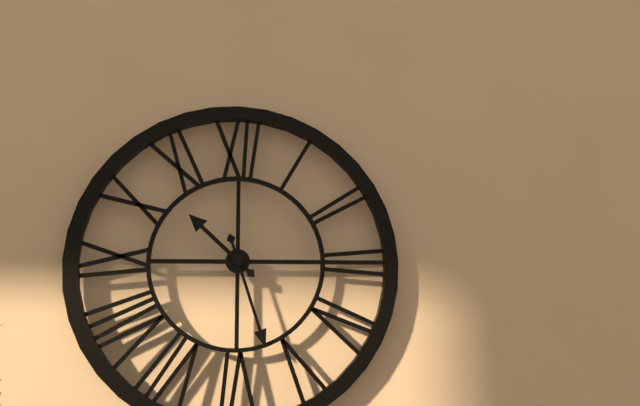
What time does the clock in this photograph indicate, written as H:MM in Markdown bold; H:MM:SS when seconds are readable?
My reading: **10:27**
